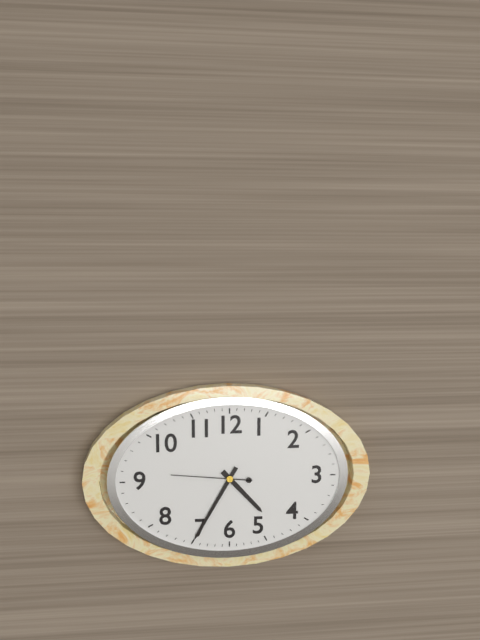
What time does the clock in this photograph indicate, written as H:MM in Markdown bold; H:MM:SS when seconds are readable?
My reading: **4:35:46**
